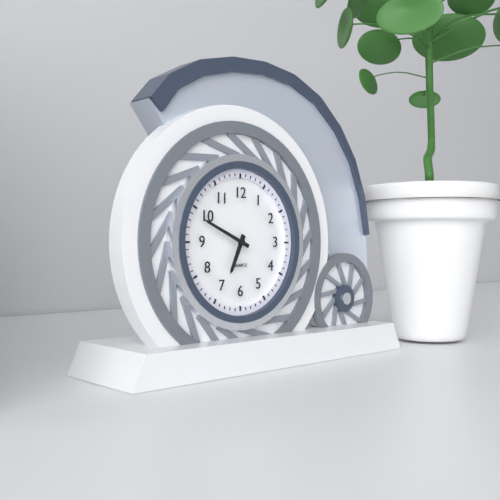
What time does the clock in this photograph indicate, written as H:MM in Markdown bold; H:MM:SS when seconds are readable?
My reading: **6:49**
